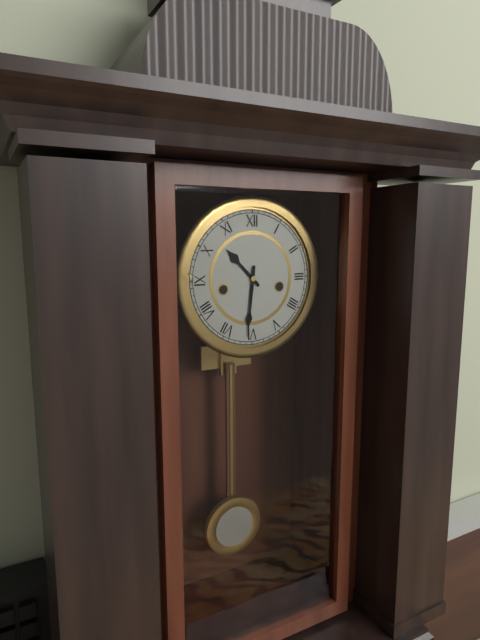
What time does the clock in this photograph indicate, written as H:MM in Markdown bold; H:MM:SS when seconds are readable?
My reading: **10:31**
